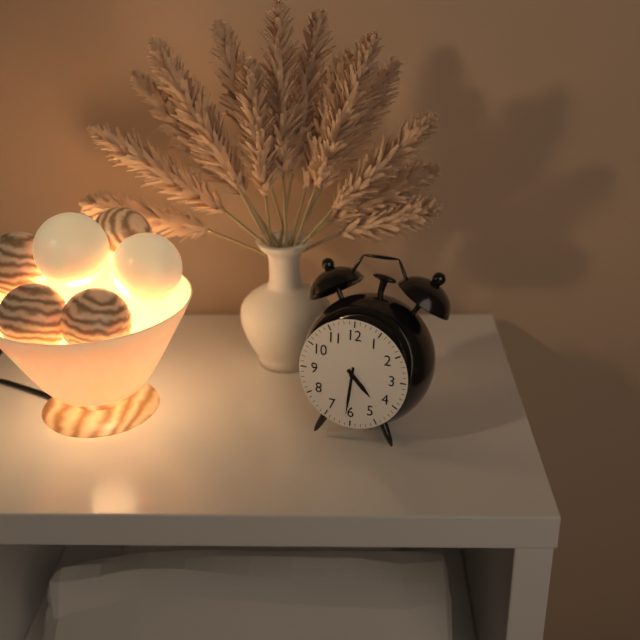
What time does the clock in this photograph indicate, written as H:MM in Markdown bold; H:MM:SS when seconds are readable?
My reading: **4:31**
